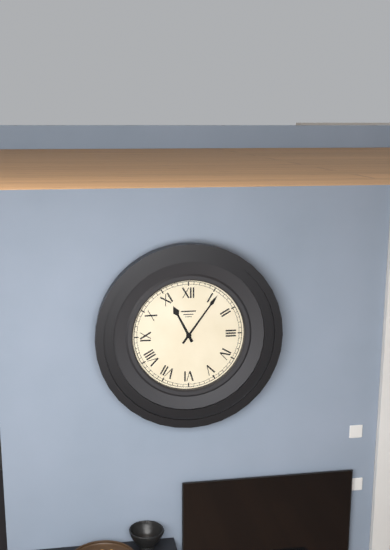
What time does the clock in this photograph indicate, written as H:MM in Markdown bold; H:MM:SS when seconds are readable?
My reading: **11:06**
